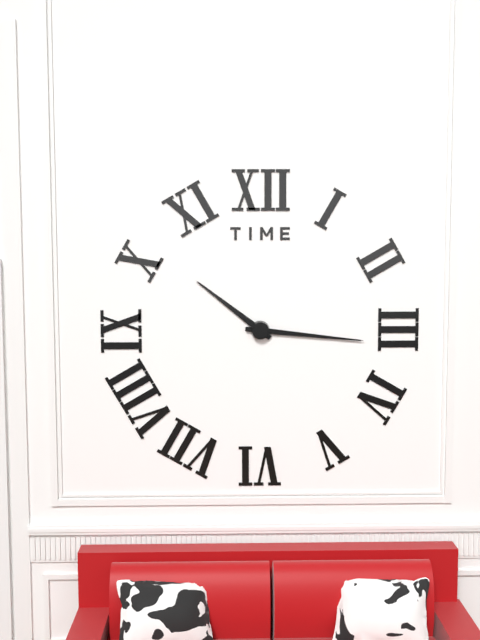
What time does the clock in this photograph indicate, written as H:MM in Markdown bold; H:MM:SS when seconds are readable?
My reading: **10:16**
